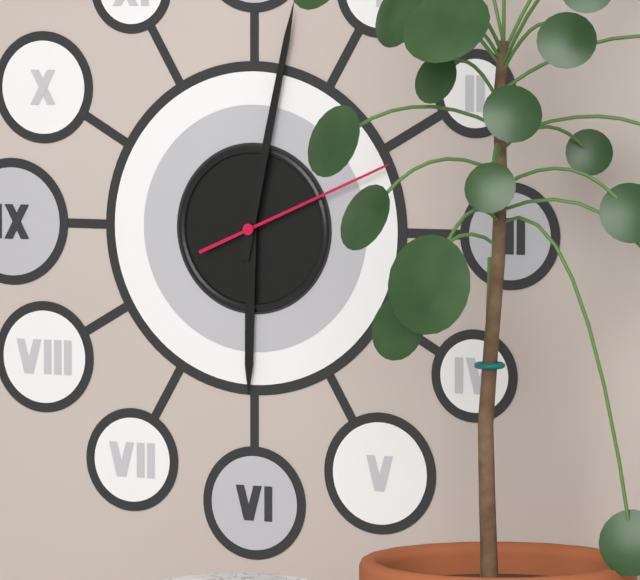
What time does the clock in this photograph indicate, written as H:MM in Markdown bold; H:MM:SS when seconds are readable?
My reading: **6:02:11**
